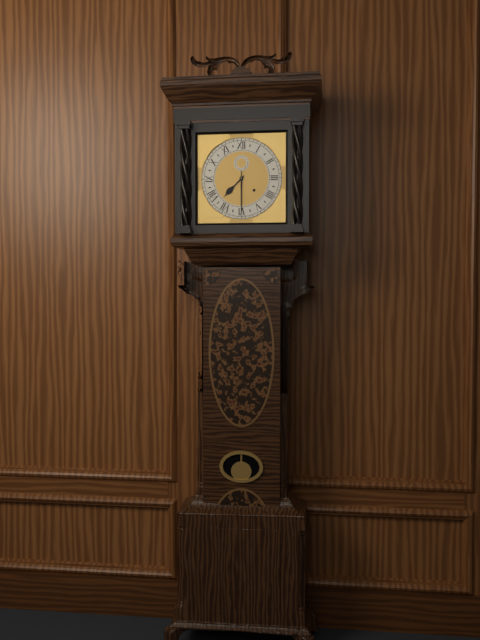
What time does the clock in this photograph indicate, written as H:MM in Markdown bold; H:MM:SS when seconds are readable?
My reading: **7:30**
